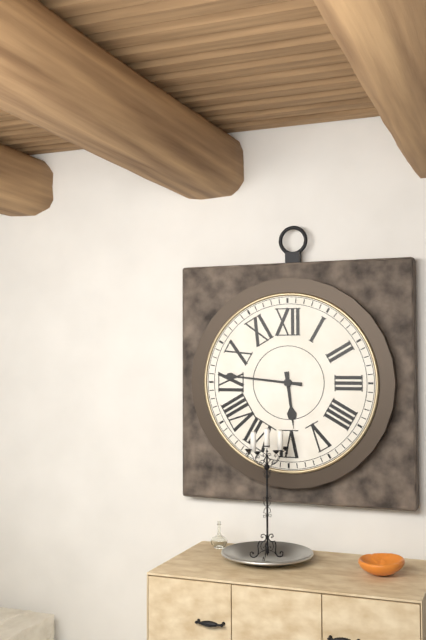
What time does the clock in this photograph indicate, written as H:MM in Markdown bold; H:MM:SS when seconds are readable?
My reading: **5:46**
